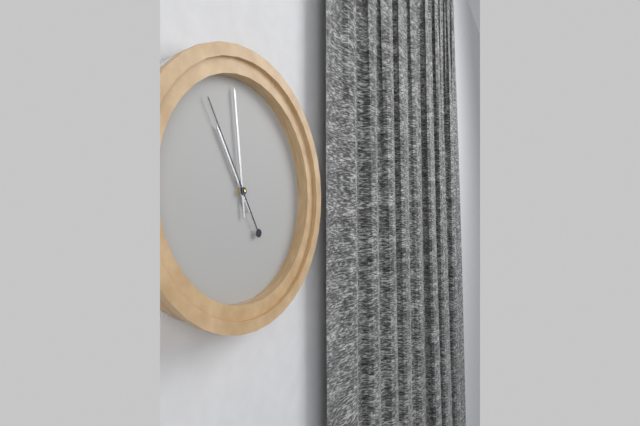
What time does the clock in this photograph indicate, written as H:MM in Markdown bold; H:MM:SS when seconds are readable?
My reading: **10:59:55**
